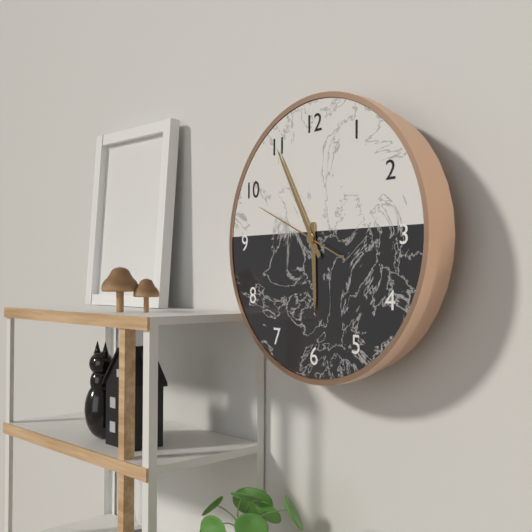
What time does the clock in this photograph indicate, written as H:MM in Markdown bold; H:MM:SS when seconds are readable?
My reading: **5:55:49**
